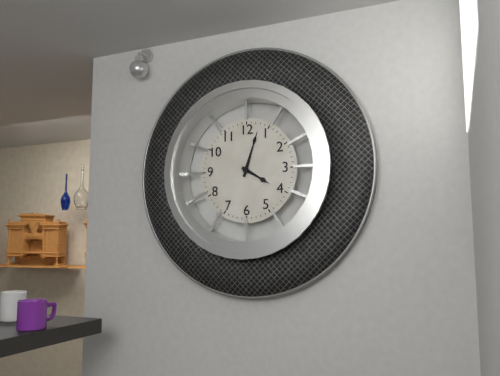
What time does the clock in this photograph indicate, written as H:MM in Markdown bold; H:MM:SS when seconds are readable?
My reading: **4:03**
